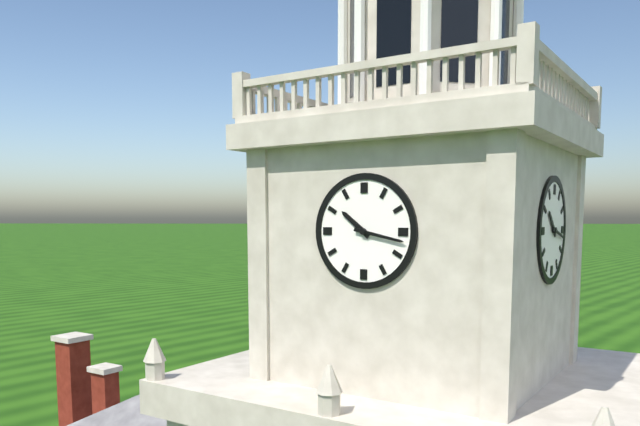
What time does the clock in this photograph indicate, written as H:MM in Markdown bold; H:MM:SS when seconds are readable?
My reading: **10:17**
